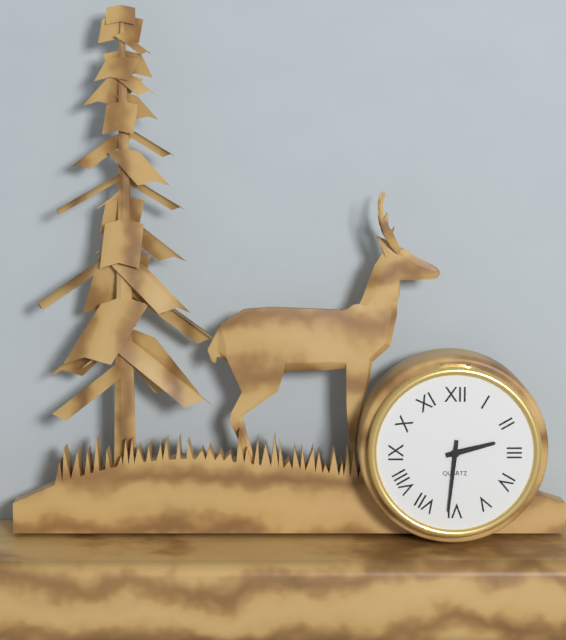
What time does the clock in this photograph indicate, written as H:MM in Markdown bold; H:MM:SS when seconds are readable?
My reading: **2:31**
